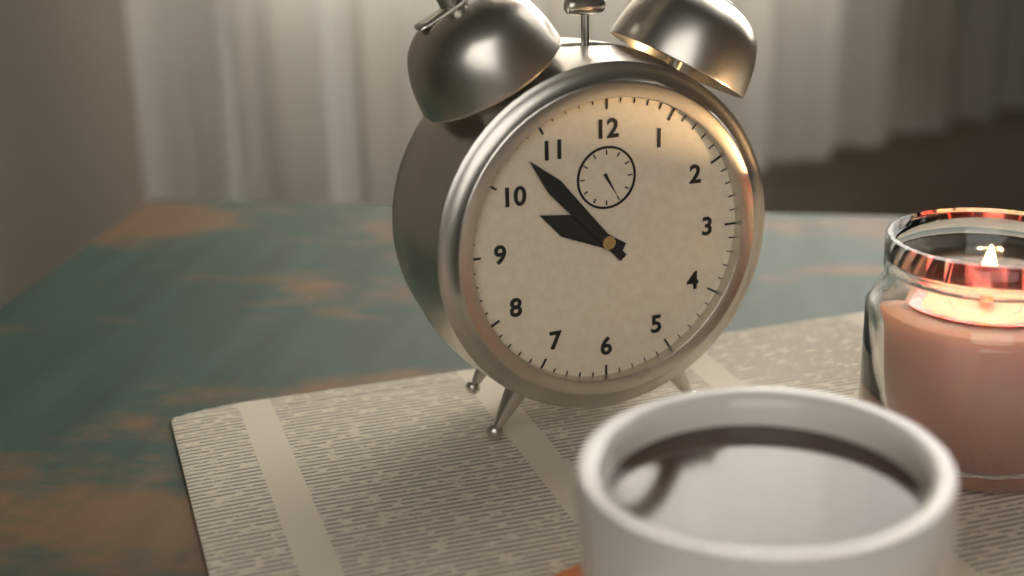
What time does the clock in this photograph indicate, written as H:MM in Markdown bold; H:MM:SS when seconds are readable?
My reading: **9:53**
